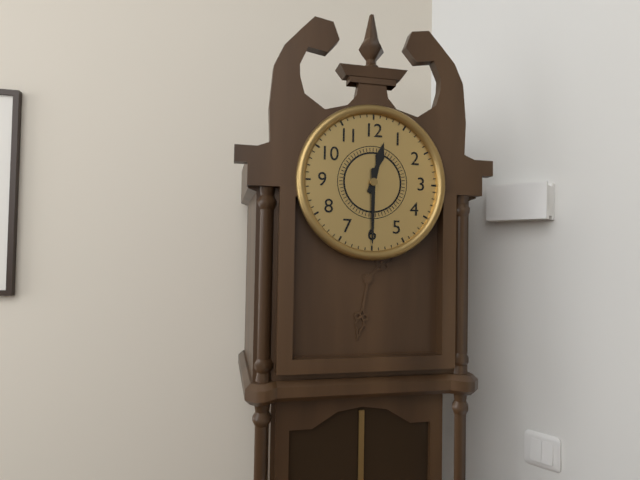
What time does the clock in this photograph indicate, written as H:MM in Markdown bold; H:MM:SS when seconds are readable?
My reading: **12:30**
